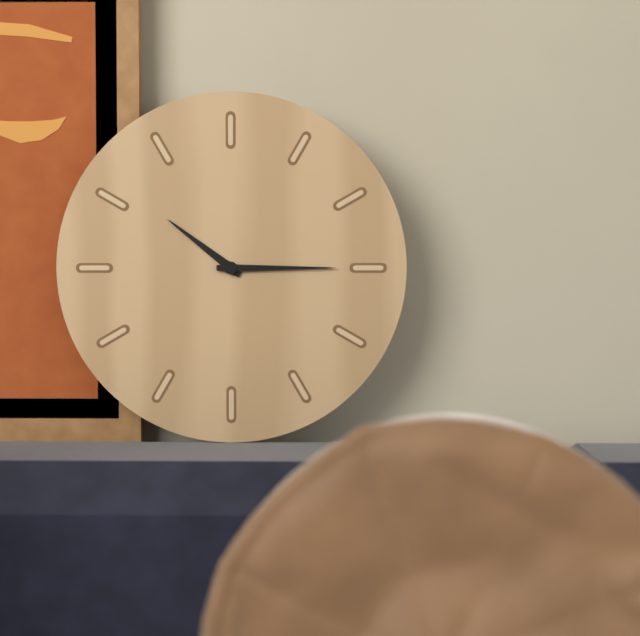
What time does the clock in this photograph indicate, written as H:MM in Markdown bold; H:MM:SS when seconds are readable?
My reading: **10:15**
